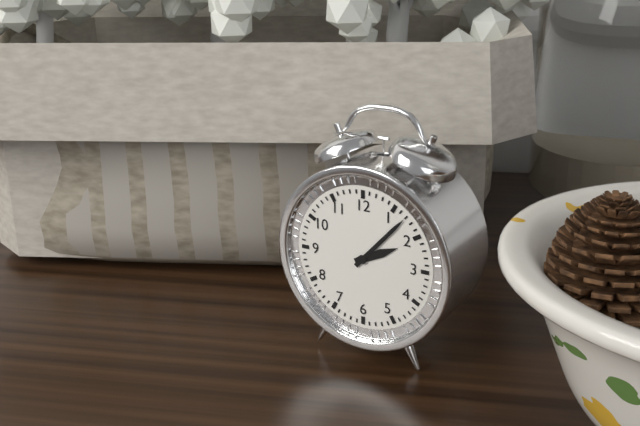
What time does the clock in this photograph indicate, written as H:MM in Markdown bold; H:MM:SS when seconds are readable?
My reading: **2:07**
